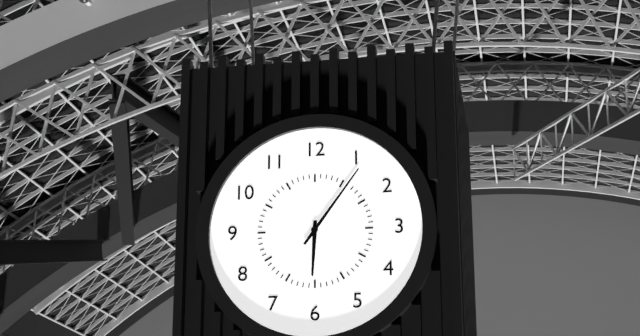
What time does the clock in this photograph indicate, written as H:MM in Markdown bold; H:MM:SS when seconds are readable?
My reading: **6:06**
